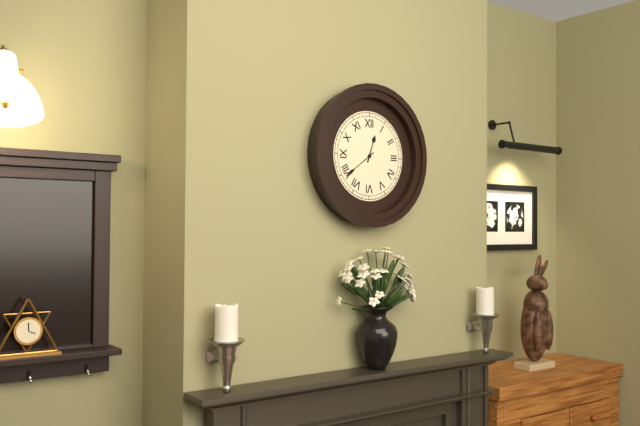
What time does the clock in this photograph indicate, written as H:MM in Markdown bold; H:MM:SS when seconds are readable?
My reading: **12:39**
